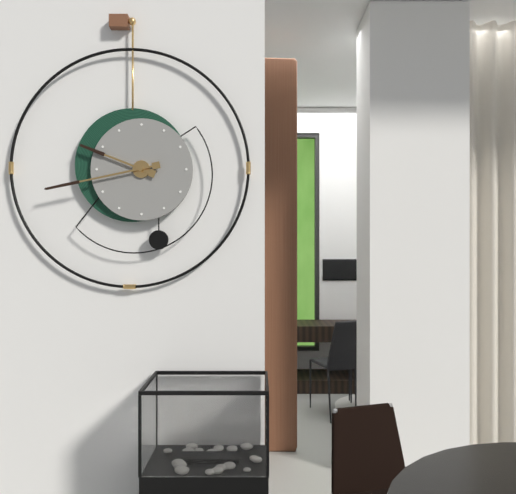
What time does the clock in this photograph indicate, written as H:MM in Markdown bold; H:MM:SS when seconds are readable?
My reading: **9:43**
